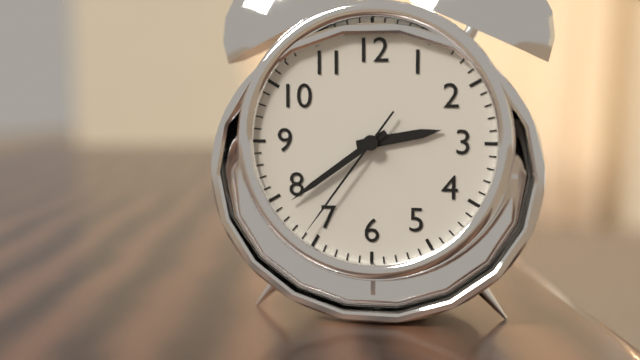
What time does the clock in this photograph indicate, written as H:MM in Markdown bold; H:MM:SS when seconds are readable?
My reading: **2:39:36**
